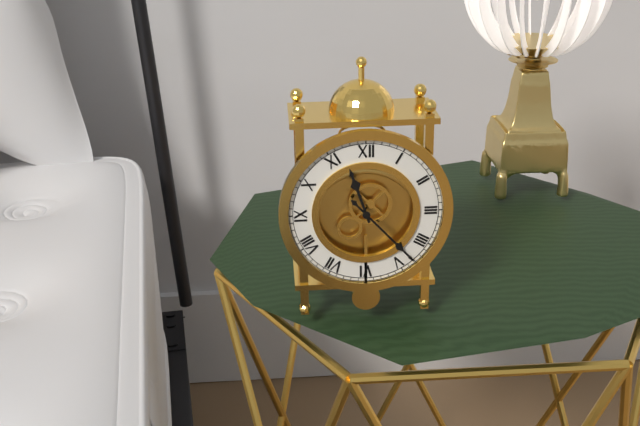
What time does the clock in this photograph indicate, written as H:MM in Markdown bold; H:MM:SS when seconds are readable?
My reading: **11:23**
